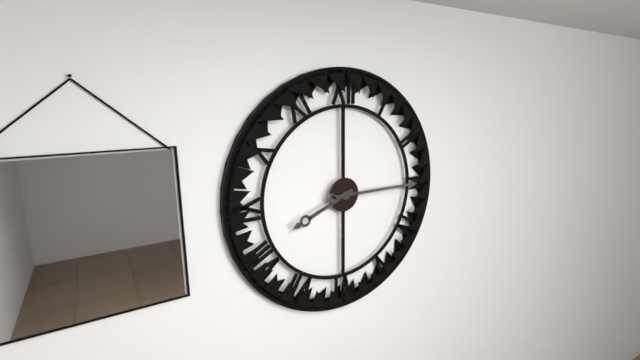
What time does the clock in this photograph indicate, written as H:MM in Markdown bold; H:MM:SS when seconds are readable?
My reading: **8:15**
